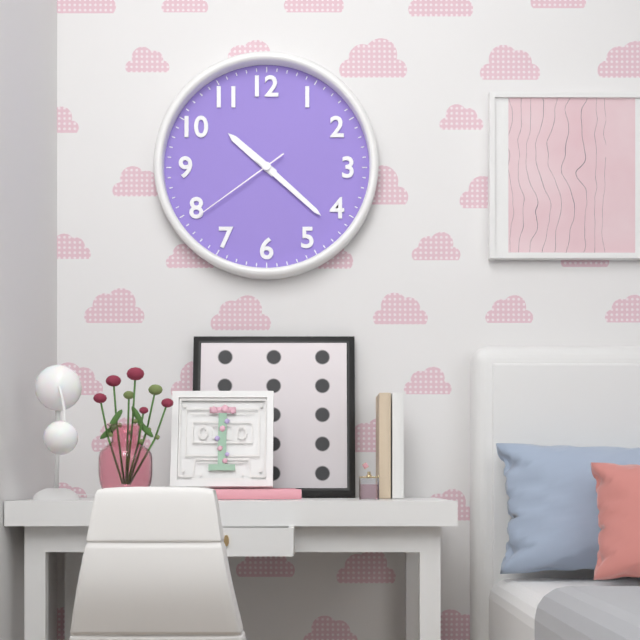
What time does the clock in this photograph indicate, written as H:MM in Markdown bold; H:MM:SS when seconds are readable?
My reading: **10:22:39**
